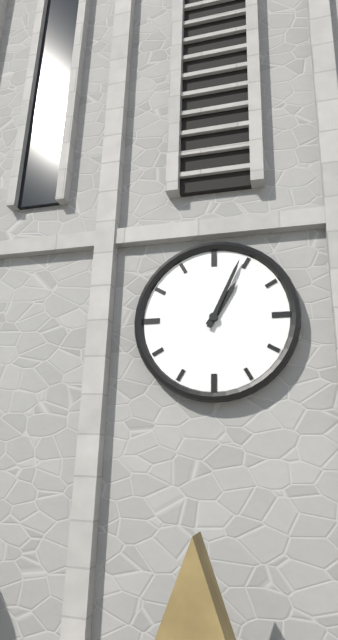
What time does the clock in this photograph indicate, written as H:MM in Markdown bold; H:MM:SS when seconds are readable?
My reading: **1:04**
